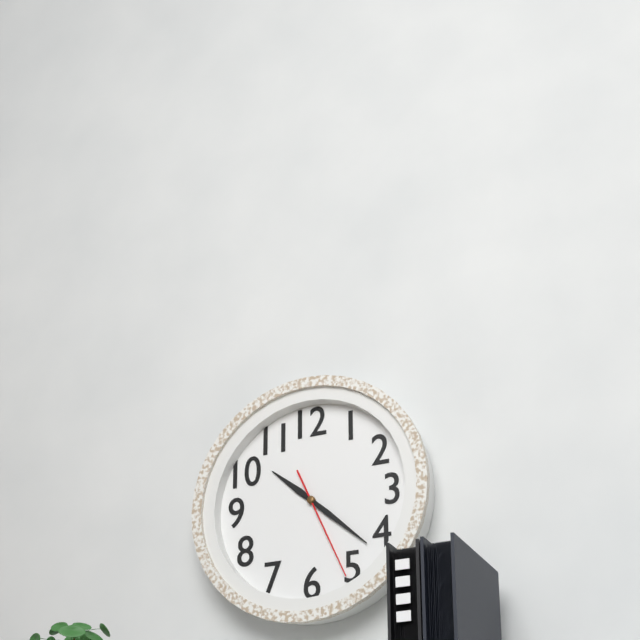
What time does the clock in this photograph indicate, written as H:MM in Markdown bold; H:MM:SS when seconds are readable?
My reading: **10:22:26**
